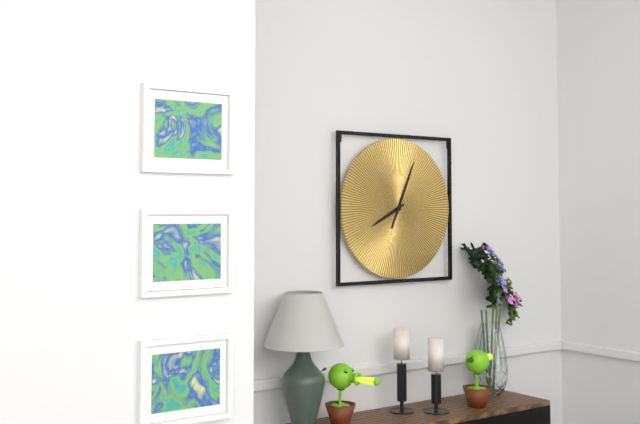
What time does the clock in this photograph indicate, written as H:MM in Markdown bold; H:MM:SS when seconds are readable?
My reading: **8:04**
